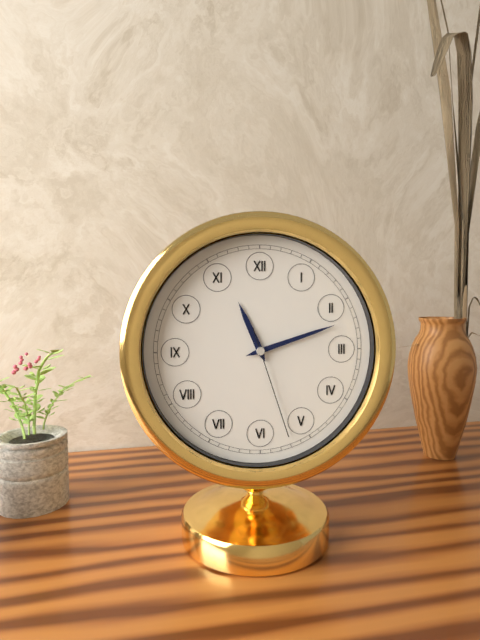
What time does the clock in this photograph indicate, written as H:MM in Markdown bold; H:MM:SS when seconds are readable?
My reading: **11:12:27**
